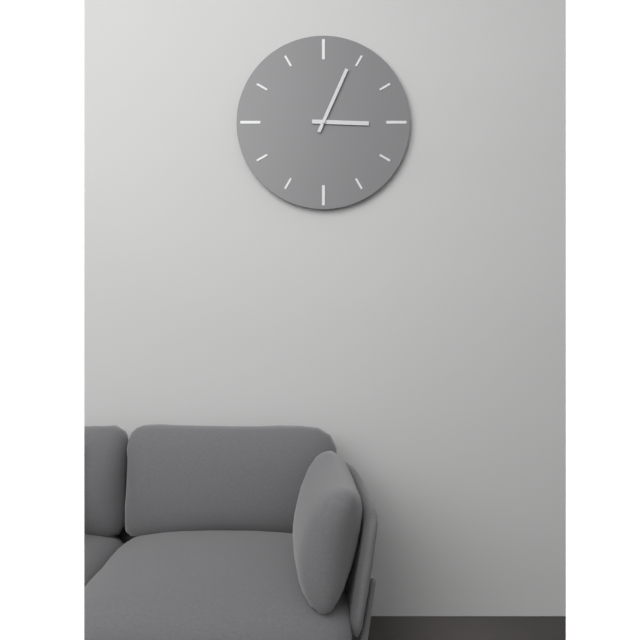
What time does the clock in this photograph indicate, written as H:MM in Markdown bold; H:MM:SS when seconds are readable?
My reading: **3:04**
